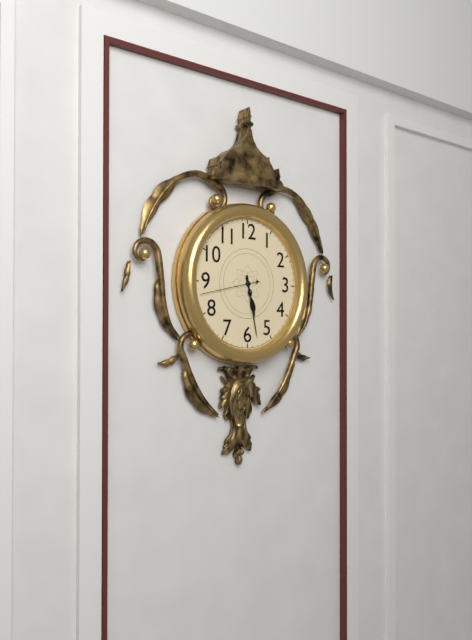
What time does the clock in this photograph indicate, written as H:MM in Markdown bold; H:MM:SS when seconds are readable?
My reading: **5:28:43**
